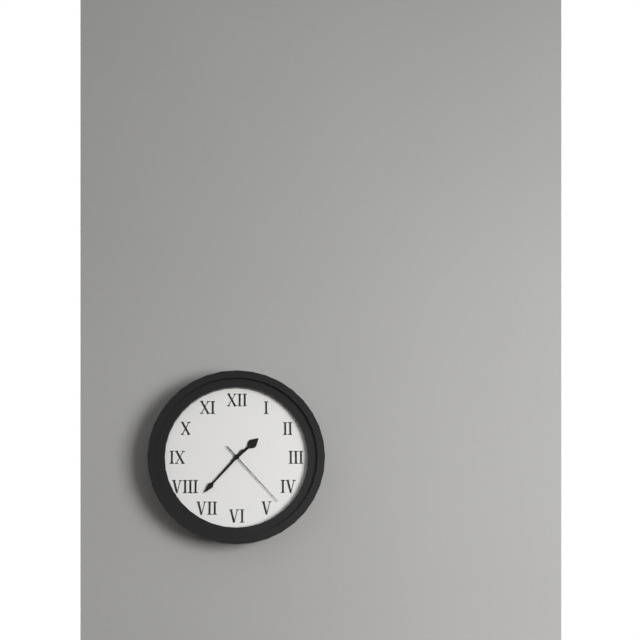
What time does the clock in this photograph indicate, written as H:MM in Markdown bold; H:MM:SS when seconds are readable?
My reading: **1:37:23**
